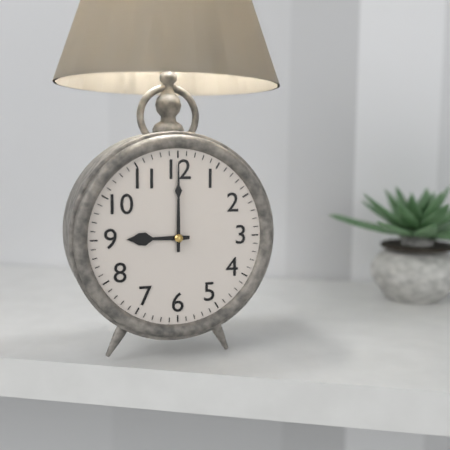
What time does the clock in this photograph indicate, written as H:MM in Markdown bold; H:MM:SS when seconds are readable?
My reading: **9:00**
